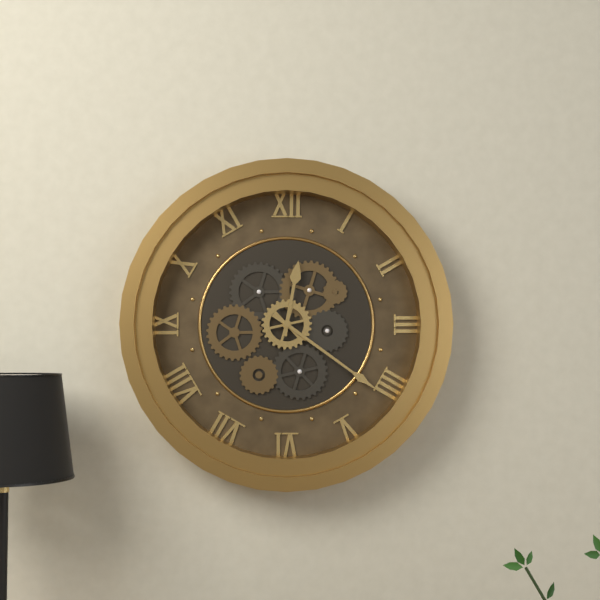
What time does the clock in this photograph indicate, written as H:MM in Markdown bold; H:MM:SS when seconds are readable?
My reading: **12:21**
